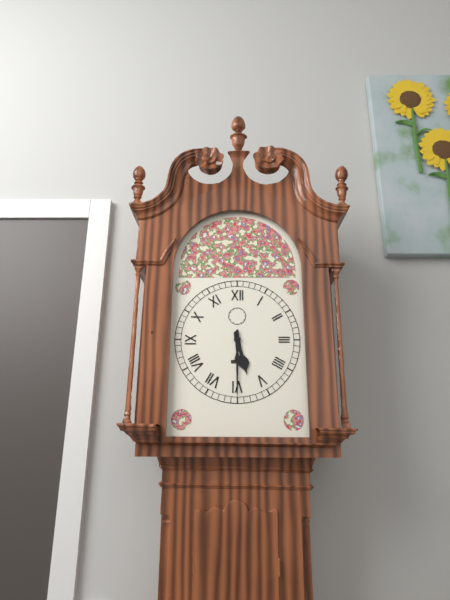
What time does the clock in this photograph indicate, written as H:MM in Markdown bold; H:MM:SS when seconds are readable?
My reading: **5:30**
